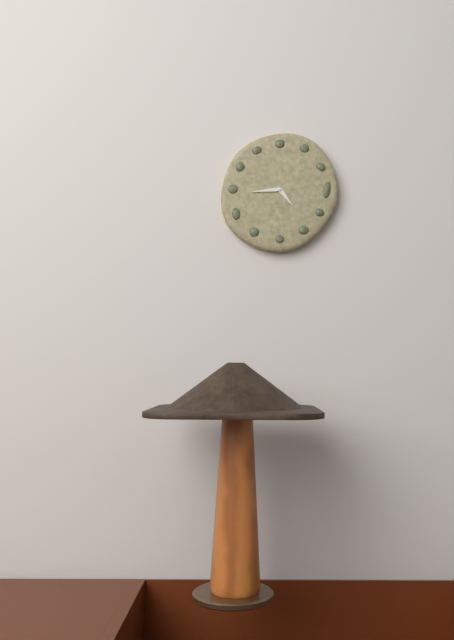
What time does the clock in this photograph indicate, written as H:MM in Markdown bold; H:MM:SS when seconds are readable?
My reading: **4:44**
